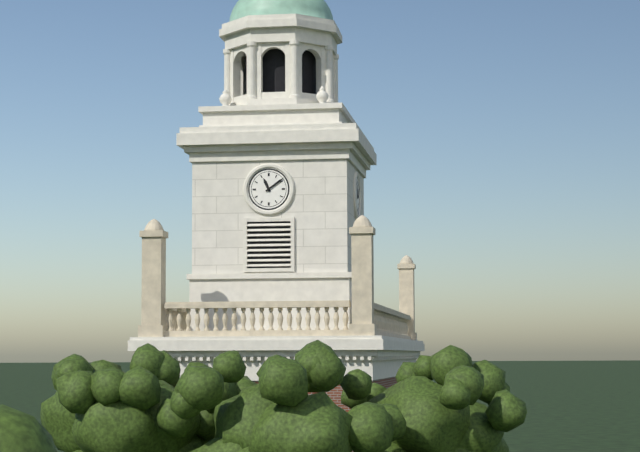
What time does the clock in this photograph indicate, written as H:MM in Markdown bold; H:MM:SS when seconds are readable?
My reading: **11:09**
